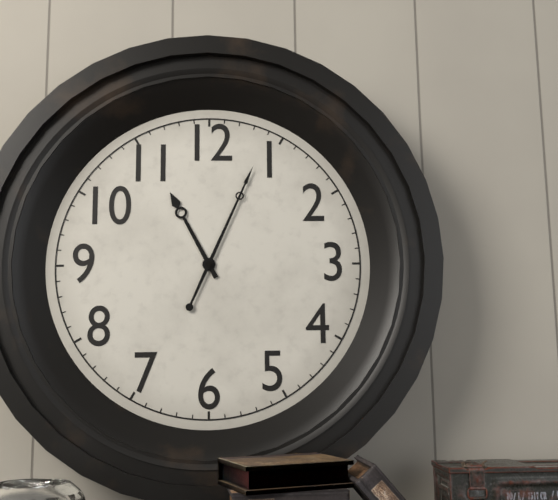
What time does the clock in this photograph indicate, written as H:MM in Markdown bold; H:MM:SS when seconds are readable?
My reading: **11:04**
